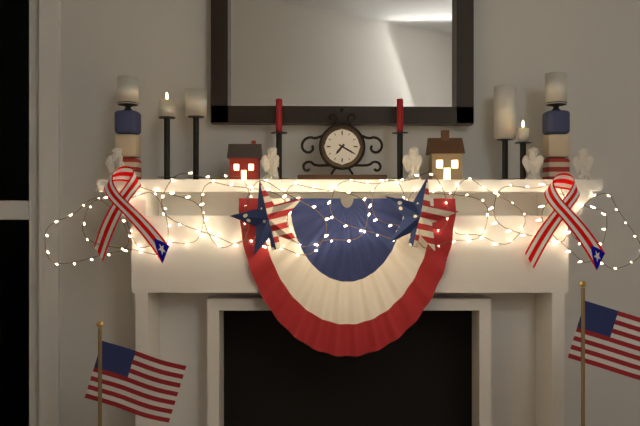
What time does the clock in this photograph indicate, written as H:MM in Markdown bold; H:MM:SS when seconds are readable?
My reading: **7:20**
